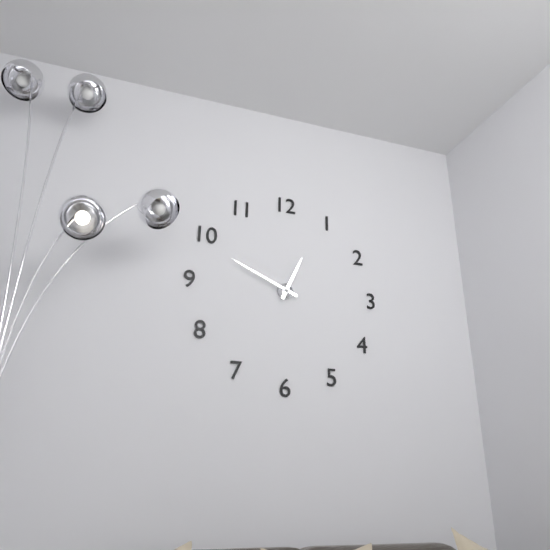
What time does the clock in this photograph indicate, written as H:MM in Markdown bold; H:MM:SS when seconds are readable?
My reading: **12:49**
